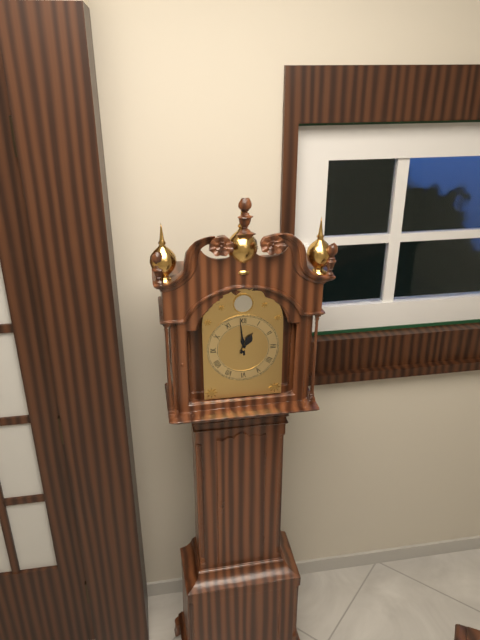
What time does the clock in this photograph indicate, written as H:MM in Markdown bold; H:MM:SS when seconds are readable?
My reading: **12:59**
